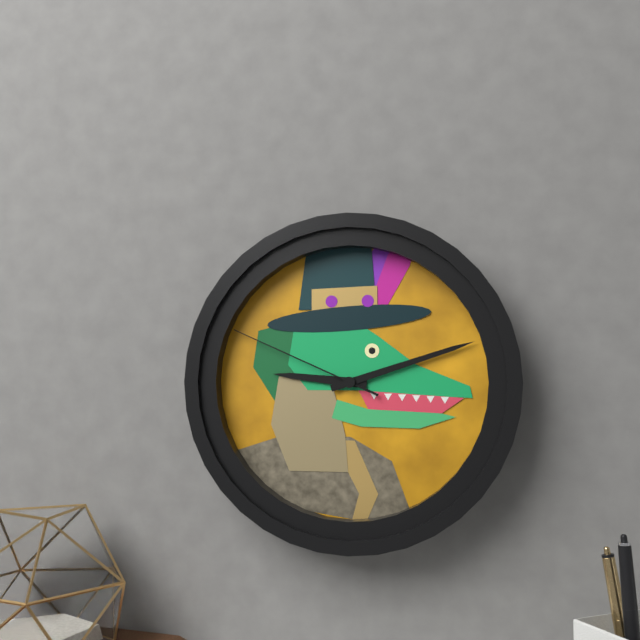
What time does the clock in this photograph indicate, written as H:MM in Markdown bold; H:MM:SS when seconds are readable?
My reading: **9:12:49**
